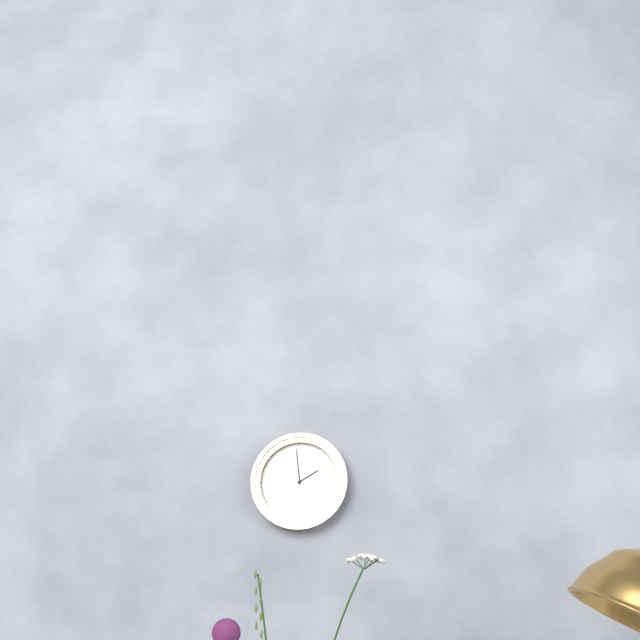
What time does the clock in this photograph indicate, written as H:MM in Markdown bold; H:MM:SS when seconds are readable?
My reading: **1:59**
